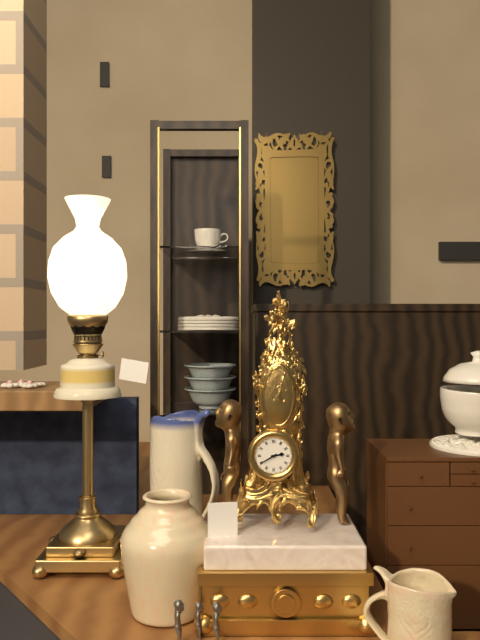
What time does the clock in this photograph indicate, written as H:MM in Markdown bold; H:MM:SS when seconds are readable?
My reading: **2:40**
